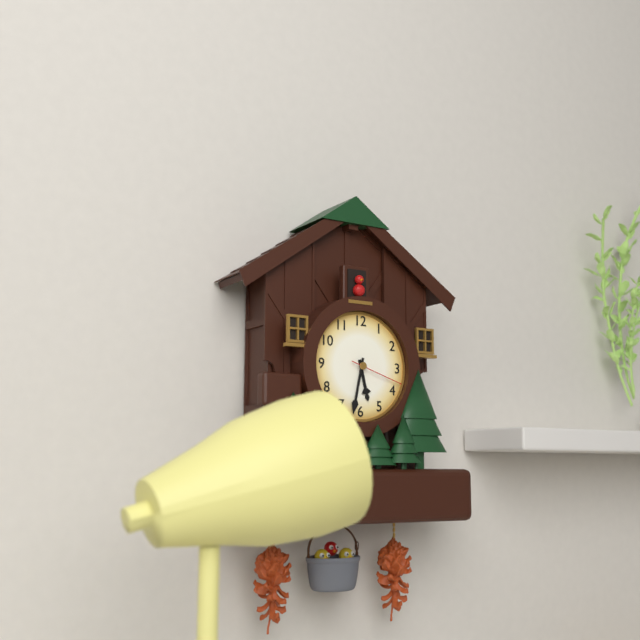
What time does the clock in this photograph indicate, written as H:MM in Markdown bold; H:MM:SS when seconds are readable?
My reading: **5:32:18**
